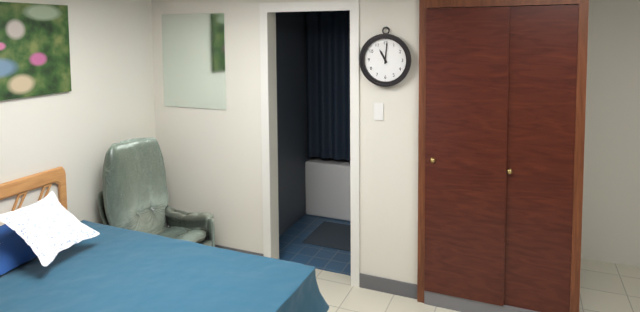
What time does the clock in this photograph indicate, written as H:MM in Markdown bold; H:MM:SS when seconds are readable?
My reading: **11:01**
